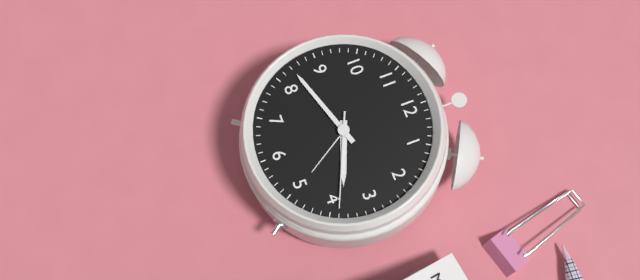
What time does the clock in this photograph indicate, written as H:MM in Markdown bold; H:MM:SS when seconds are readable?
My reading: **3:42:19**
